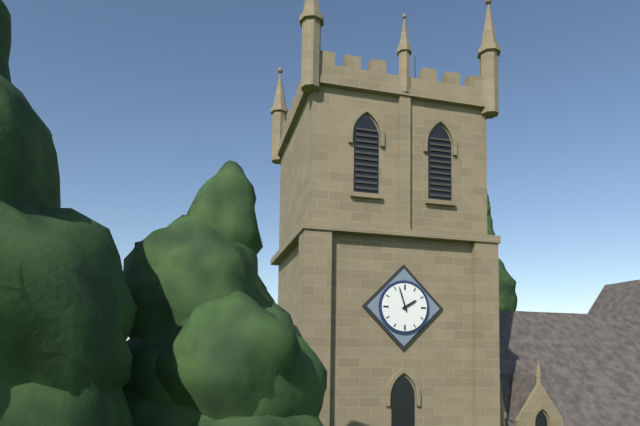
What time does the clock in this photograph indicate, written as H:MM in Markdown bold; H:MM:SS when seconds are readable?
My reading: **1:57**
